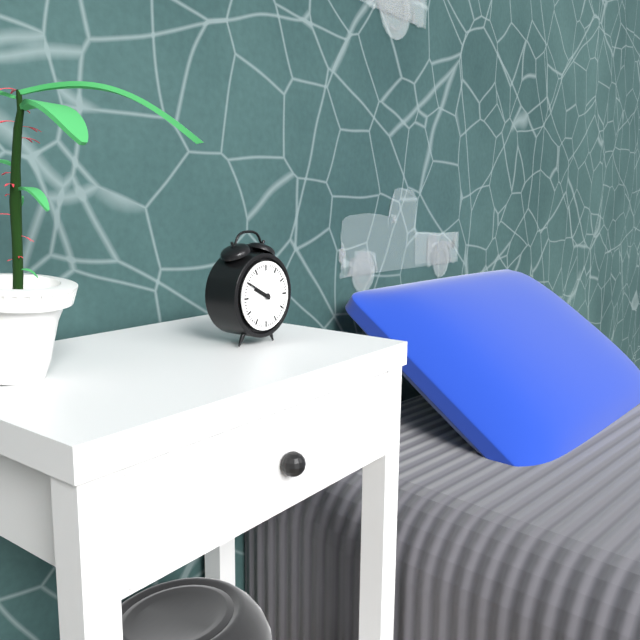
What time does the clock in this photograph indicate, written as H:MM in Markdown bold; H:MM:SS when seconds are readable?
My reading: **9:50**
